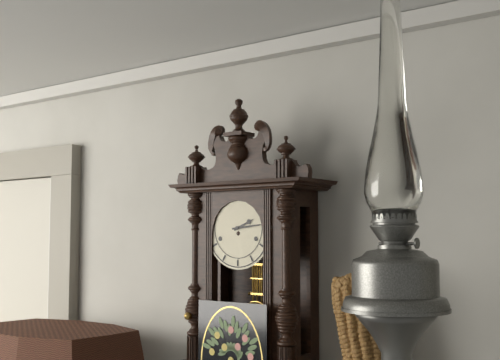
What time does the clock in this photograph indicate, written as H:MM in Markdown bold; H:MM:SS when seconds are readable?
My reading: **2:14**
